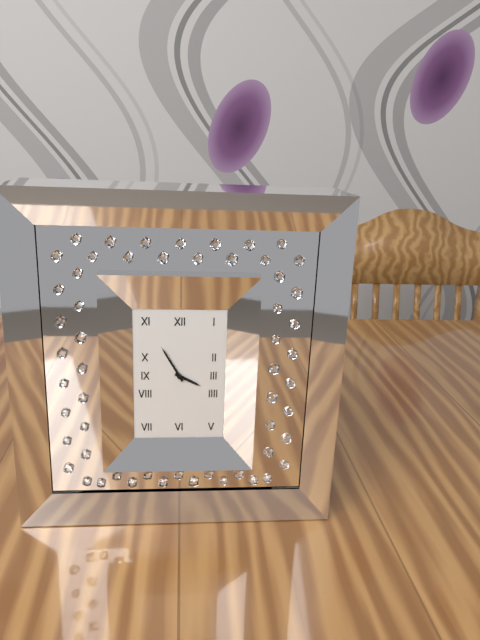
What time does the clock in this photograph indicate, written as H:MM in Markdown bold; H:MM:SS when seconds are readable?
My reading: **3:55**
